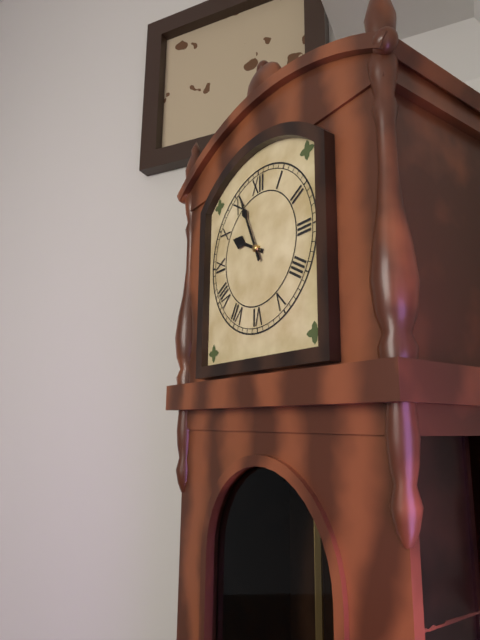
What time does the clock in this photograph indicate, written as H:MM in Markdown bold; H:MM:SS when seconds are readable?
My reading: **9:56**
